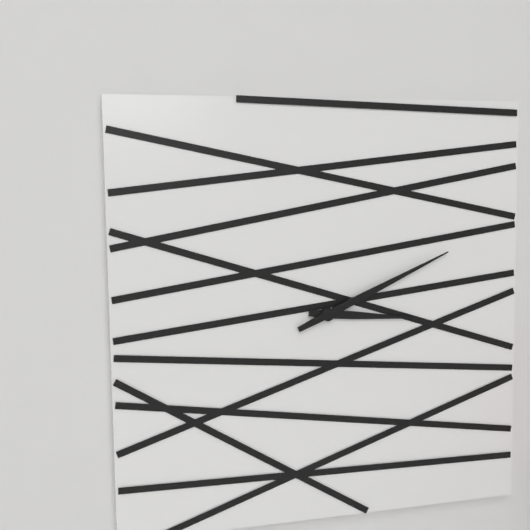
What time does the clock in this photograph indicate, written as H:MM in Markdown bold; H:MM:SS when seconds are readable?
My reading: **3:11**
